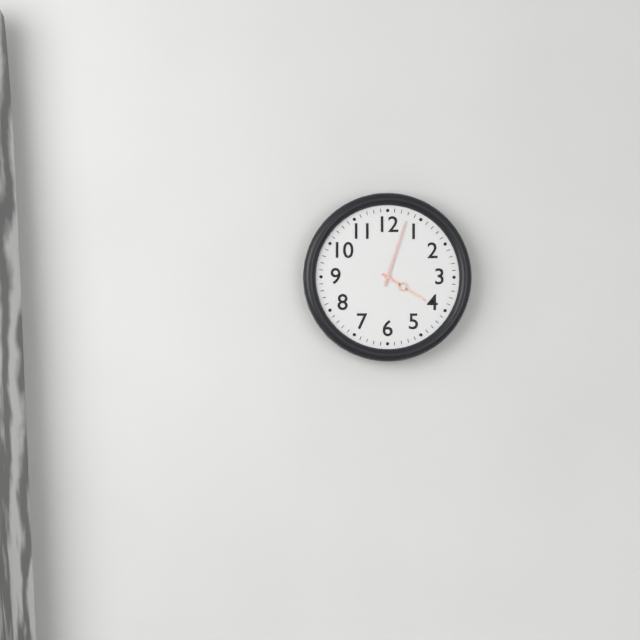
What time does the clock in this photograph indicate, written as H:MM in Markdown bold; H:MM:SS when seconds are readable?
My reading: **4:03**
